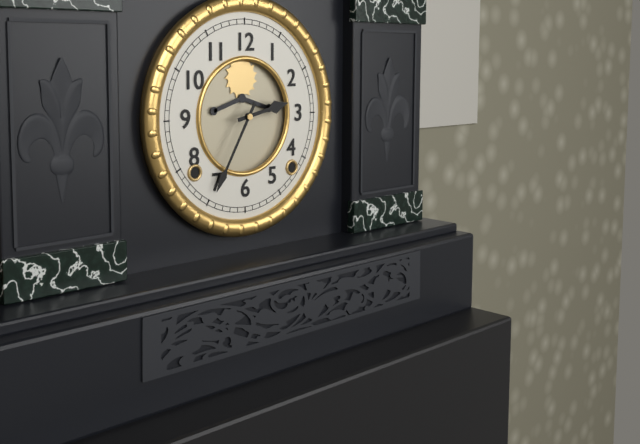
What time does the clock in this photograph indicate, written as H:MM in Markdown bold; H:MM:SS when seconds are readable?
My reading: **2:35**
